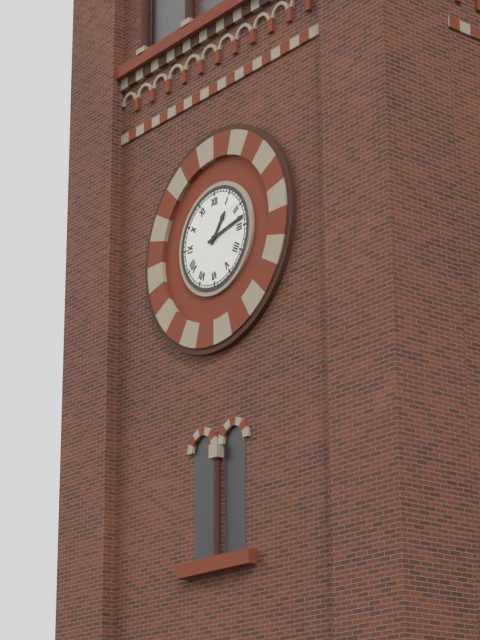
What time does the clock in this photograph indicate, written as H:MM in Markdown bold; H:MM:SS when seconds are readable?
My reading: **1:13**
